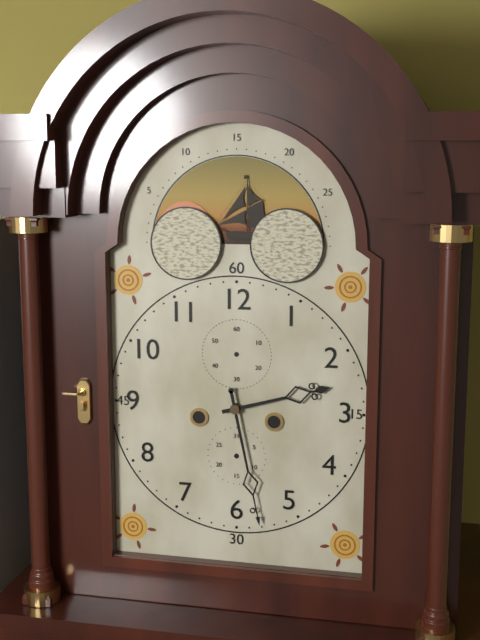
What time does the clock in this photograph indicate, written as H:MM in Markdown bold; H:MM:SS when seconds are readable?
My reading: **2:28**
